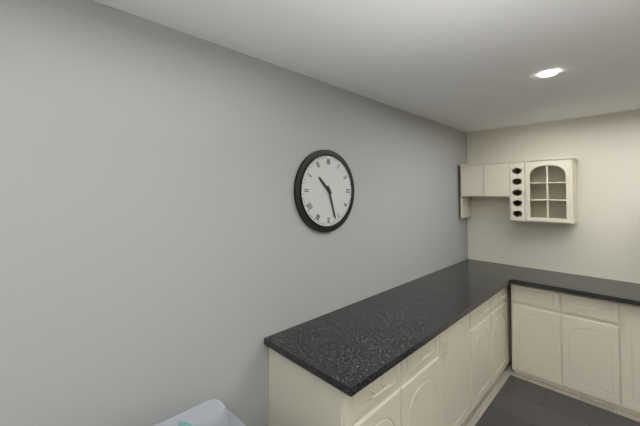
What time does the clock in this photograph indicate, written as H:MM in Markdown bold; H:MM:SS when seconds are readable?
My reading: **10:27**
